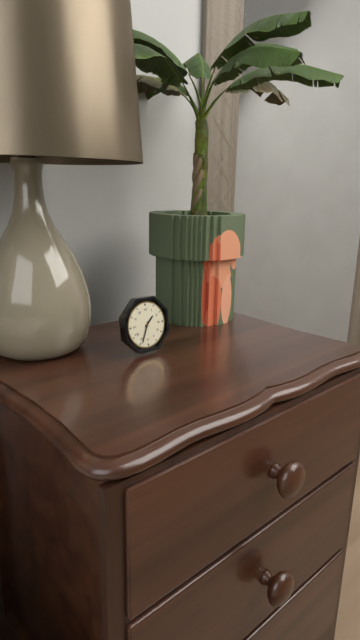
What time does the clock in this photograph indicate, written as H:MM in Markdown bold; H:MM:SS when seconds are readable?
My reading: **1:34**
